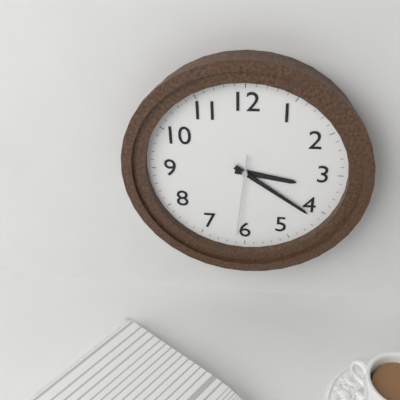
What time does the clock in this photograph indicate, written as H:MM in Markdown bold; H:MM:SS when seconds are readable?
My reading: **3:21:31**
